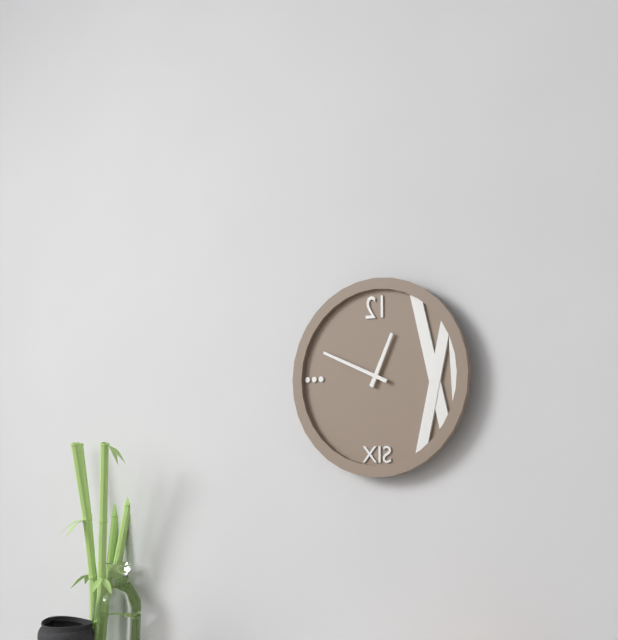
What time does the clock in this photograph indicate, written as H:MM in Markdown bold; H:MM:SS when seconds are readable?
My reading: **12:49**
